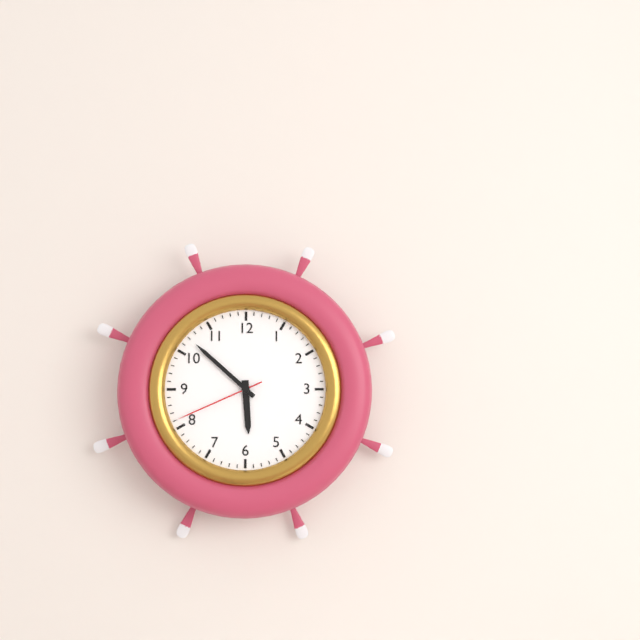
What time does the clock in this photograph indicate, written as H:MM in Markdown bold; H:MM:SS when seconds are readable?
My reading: **5:52:41**
